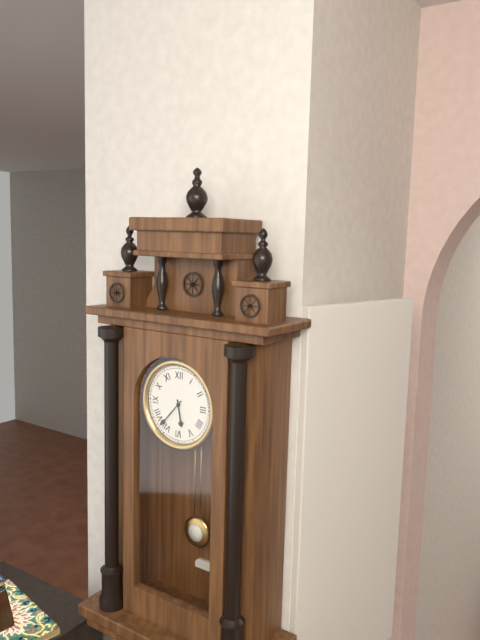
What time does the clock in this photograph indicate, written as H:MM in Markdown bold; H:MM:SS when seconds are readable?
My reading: **5:37**
